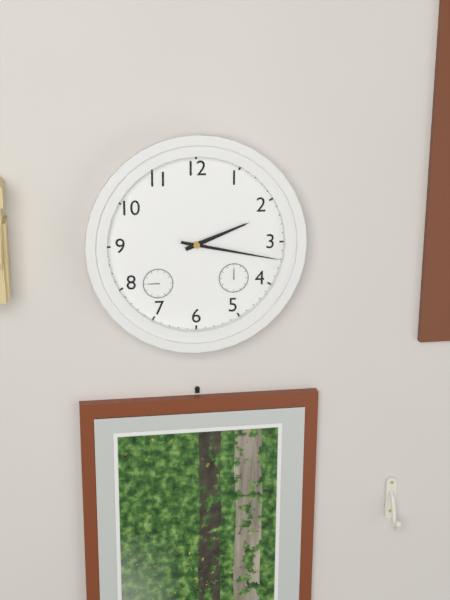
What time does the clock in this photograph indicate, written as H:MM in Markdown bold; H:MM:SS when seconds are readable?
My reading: **2:17**
